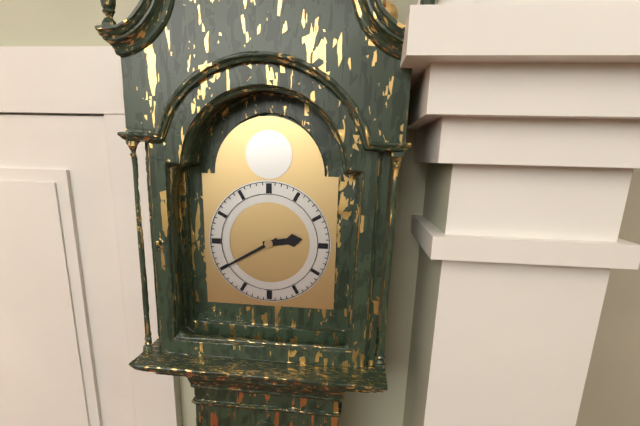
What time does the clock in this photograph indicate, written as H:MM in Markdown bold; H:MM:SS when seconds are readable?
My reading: **2:40**
